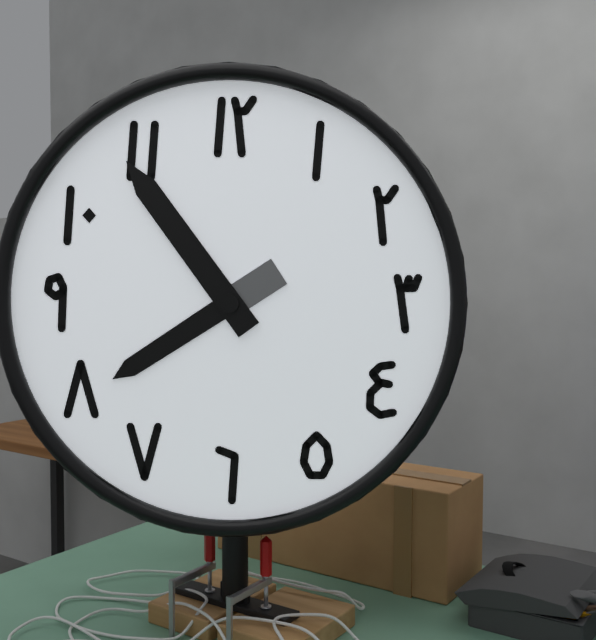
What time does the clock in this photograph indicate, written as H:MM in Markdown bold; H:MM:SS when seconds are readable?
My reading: **7:54**
